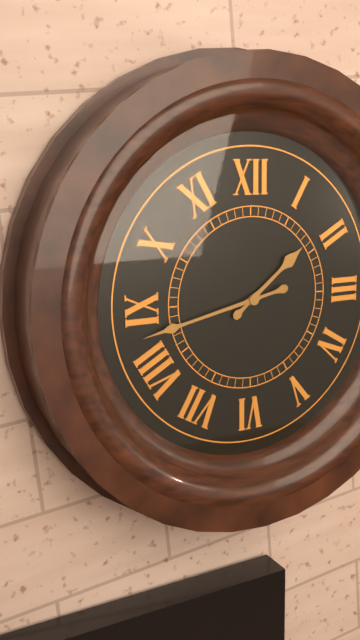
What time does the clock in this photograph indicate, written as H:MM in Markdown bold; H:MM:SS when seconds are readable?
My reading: **1:43**
